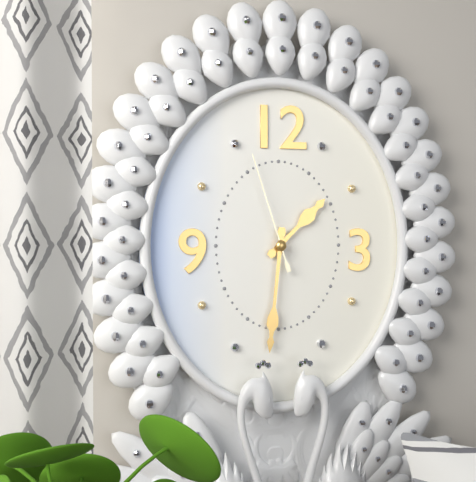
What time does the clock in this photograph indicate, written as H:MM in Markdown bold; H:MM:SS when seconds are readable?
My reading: **1:31:57**
